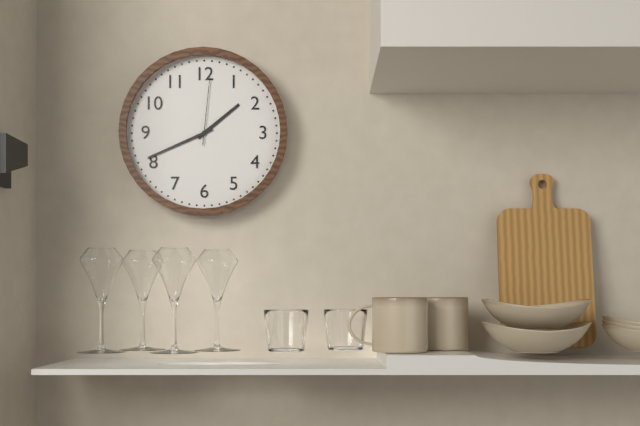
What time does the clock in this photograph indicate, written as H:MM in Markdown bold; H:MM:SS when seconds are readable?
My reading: **1:41:01**
